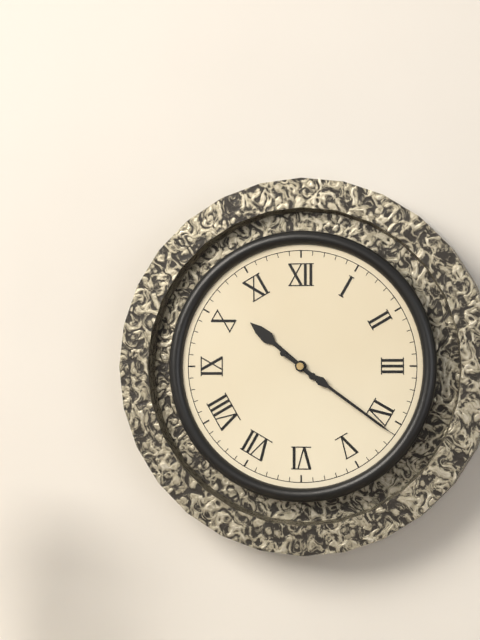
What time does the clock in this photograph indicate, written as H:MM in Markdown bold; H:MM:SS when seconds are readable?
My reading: **10:21**
